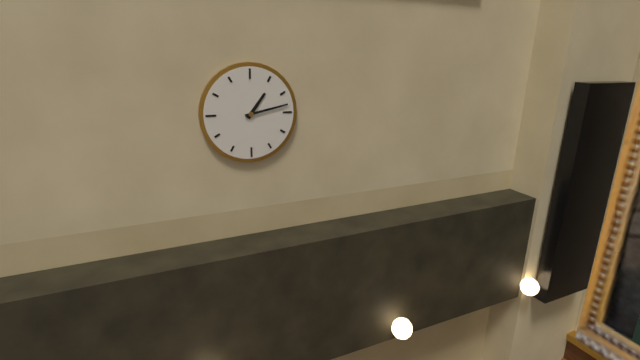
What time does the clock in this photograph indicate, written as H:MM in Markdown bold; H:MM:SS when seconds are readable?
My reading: **1:13**
